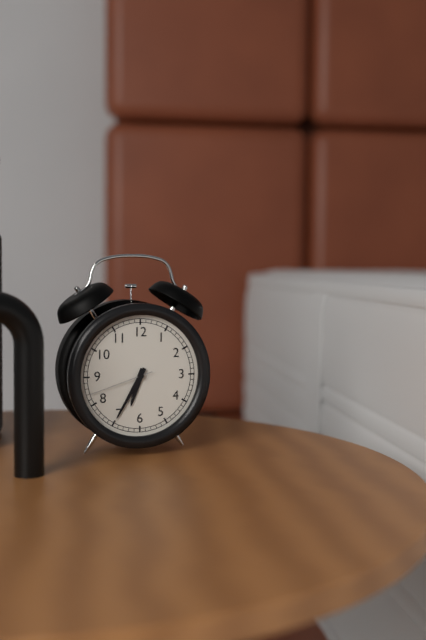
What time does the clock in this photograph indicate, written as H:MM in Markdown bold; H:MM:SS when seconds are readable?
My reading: **6:35:42**
